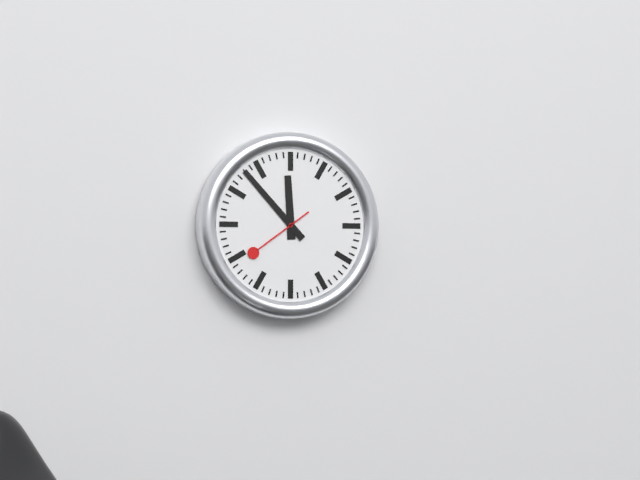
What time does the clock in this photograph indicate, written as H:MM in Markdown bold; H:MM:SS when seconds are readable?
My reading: **11:53:39**
